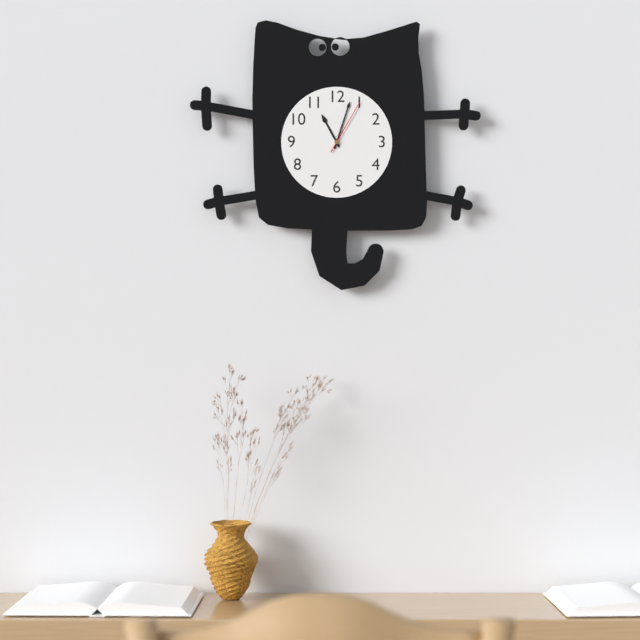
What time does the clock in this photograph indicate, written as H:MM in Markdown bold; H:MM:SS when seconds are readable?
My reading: **11:03:05**
